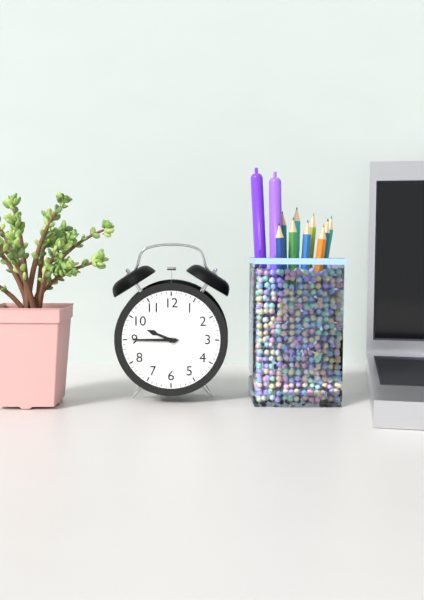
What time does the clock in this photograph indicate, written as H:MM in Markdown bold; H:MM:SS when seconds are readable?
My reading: **9:45**
